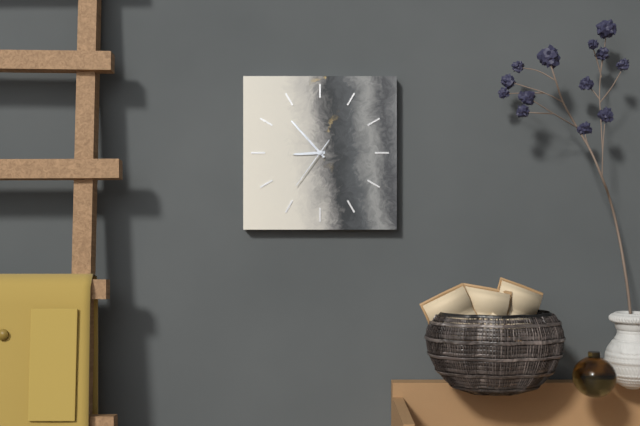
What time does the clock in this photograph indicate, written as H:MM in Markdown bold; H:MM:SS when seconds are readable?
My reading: **8:53:36**
